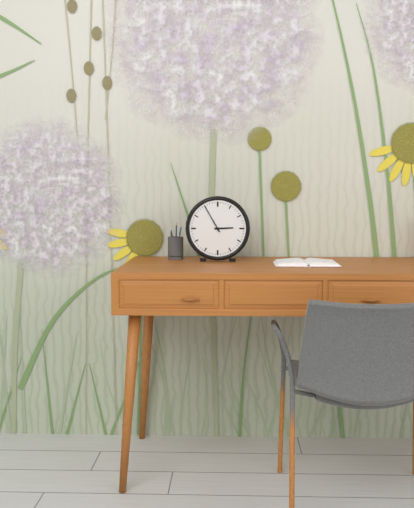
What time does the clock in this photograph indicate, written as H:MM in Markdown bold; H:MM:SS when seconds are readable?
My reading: **2:55**
